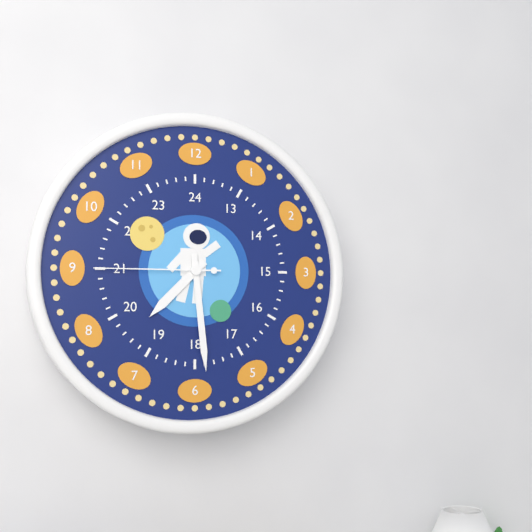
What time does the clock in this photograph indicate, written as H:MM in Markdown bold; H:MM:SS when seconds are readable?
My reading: **7:29:45**
